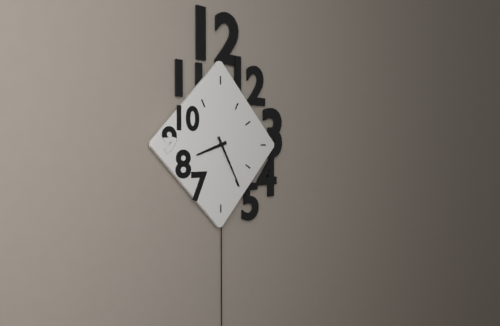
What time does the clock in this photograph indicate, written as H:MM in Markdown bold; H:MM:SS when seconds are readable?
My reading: **8:25**
